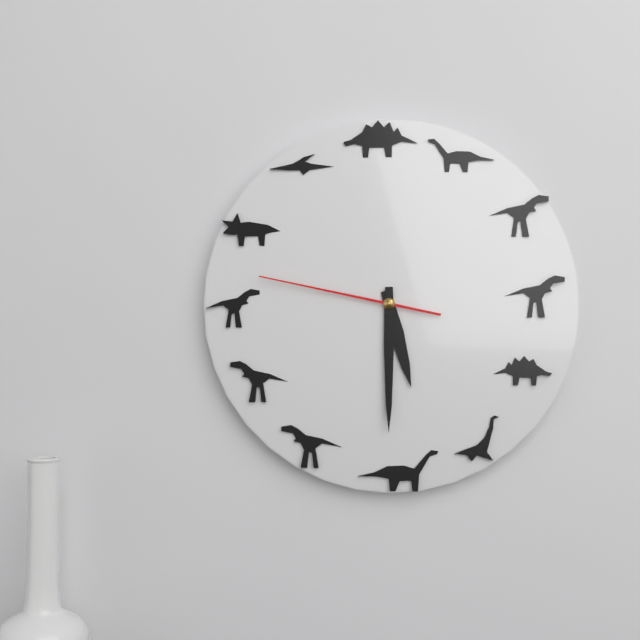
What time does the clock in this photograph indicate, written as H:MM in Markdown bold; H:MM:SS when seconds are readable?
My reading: **5:30:47**
